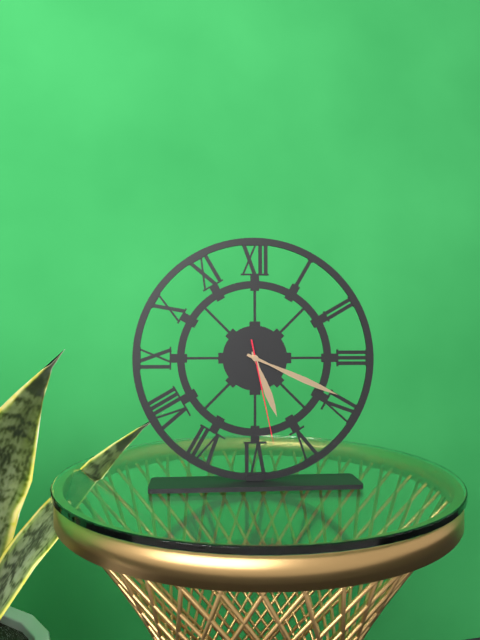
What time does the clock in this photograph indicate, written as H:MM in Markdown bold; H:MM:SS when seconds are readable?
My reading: **5:19:28**
